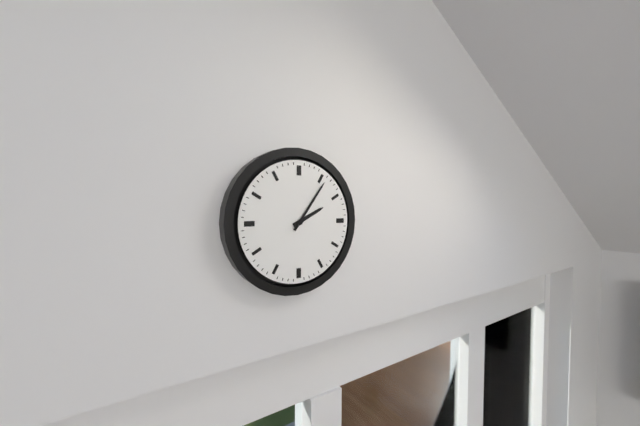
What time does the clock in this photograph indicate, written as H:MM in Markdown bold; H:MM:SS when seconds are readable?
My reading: **2:06**
